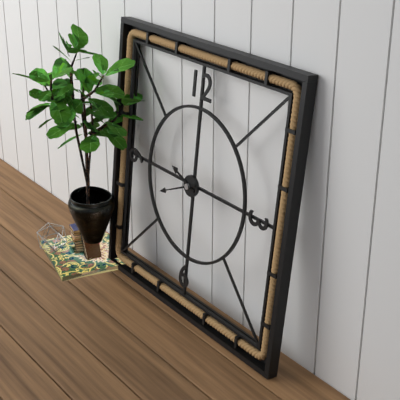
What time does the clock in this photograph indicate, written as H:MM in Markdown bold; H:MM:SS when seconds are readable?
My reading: **9:41**
